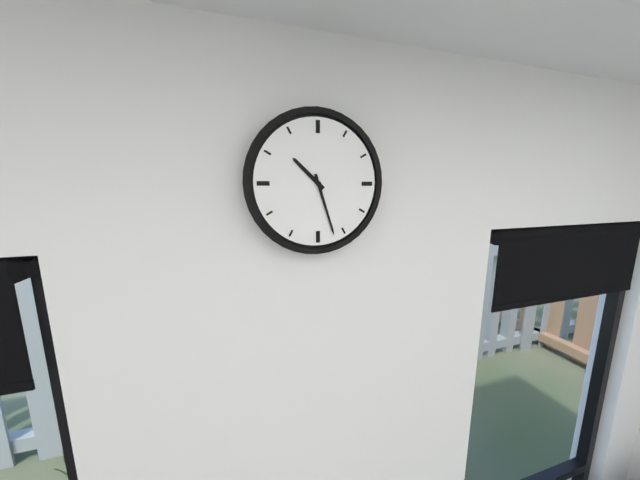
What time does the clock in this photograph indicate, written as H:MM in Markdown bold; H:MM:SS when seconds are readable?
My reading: **10:27**
